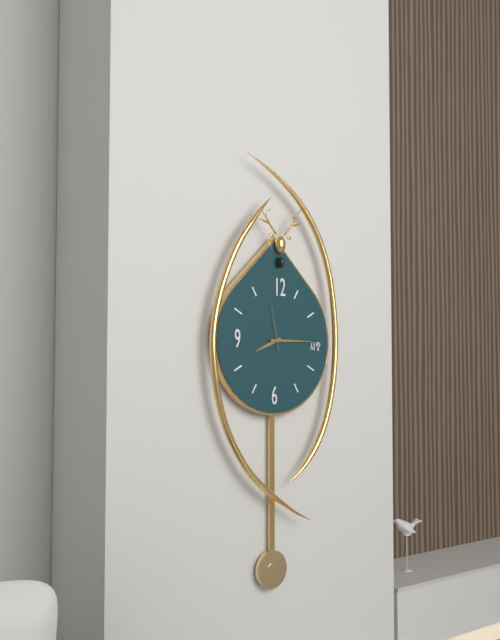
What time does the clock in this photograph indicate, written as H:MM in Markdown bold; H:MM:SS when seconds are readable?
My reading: **8:15**
